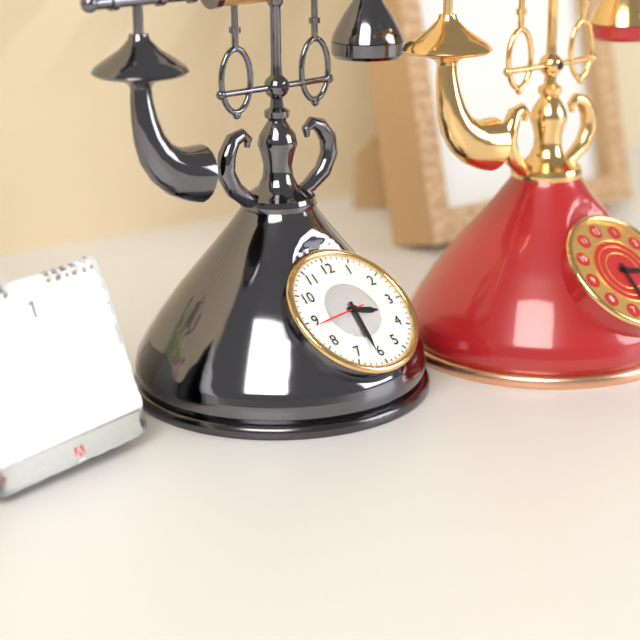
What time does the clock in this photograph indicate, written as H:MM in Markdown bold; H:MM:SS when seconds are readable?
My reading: **3:31:44**
